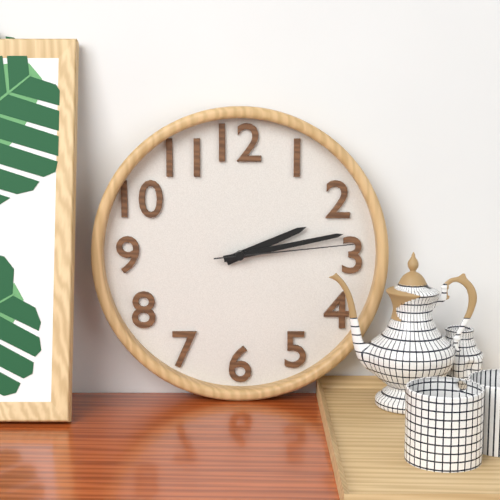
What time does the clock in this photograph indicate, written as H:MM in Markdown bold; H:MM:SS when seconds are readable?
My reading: **2:13:14**
